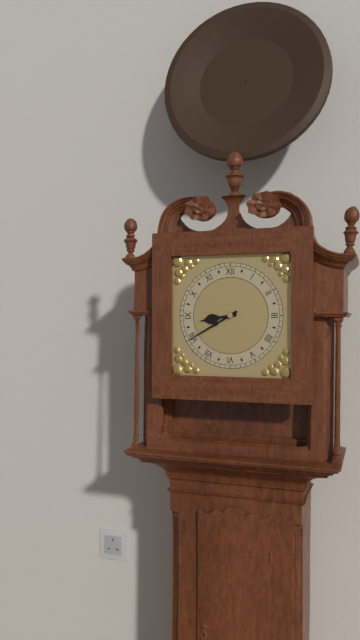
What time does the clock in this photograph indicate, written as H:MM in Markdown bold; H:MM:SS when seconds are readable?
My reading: **8:40**
